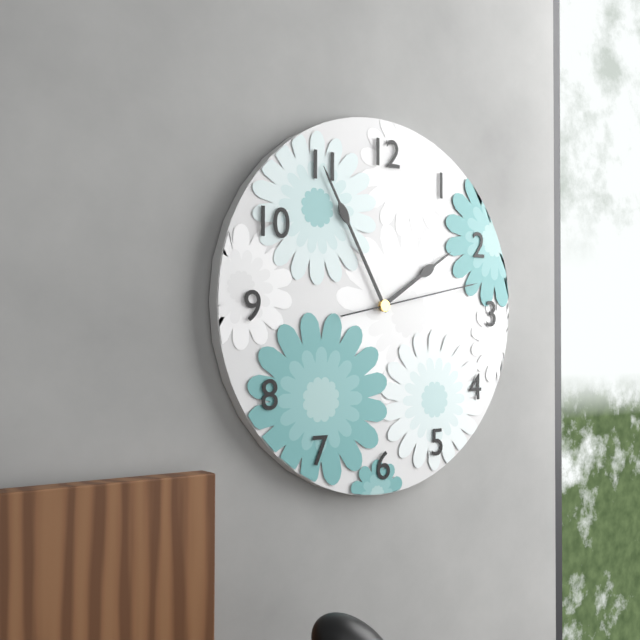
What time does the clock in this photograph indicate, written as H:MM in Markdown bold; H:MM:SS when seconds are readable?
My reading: **1:55:13**
